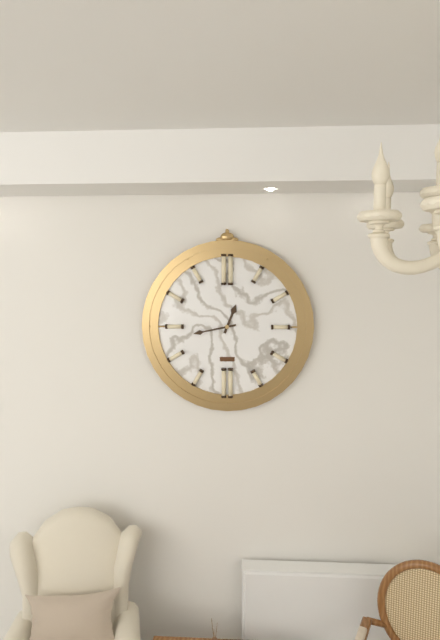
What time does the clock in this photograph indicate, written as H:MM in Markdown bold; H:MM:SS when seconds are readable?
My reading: **12:43**
